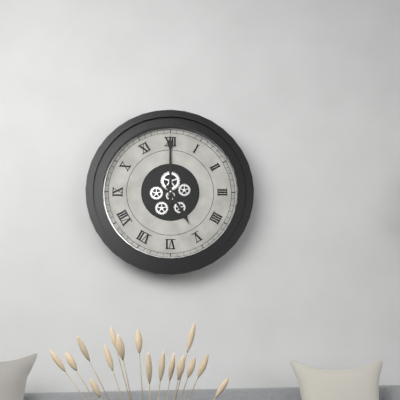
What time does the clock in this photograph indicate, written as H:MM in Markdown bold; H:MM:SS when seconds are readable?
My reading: **5:00**
